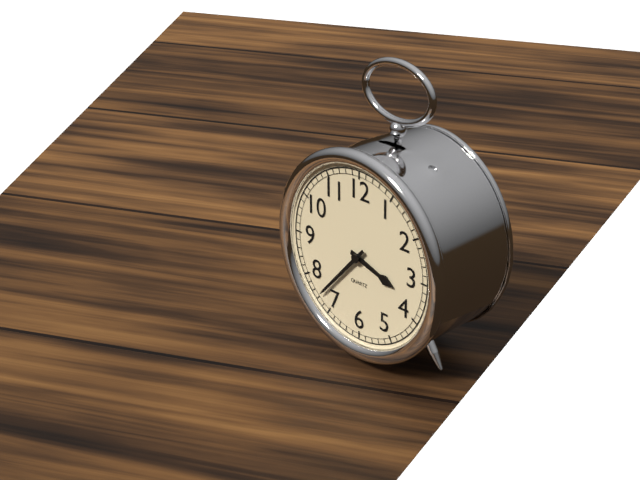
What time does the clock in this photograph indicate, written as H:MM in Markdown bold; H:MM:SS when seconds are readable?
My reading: **3:37**
